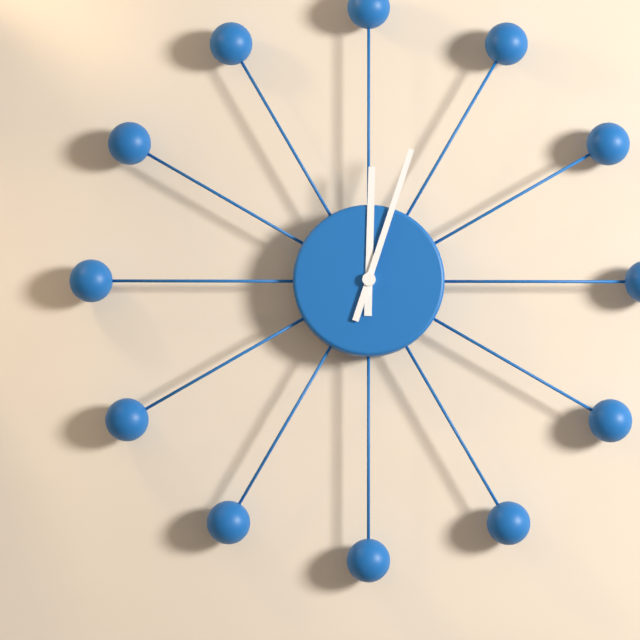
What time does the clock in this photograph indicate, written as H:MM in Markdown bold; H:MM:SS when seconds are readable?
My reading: **12:03**
